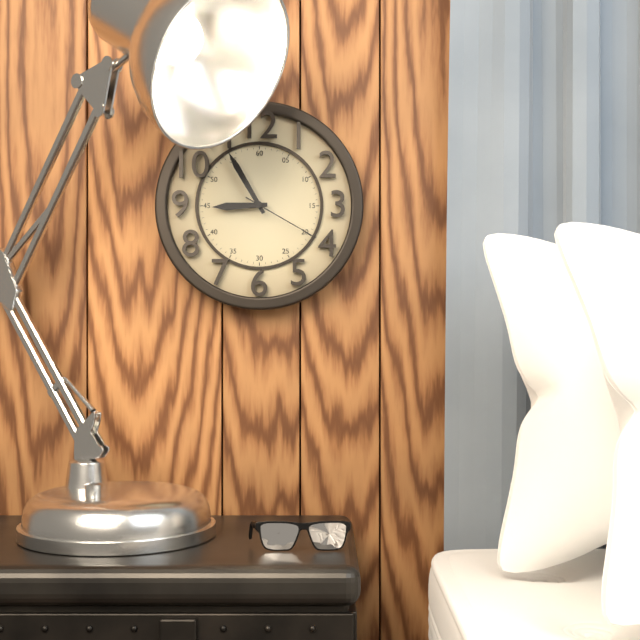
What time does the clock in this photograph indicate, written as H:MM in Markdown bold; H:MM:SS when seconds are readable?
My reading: **8:55:20**
